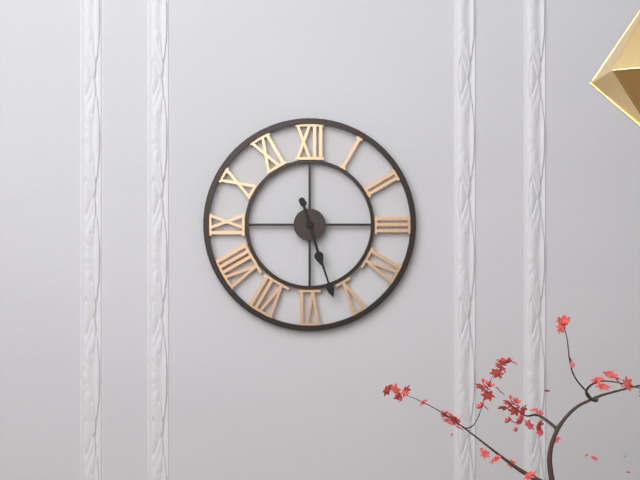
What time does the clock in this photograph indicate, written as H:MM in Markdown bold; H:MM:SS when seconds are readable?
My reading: **5:27**
